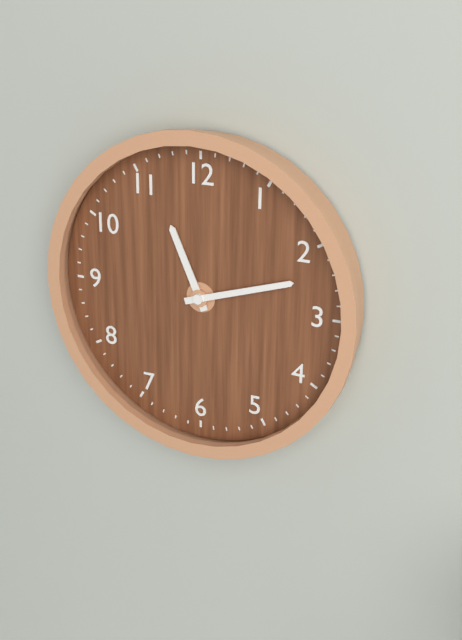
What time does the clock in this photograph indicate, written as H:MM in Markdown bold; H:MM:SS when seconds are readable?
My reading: **11:12**
